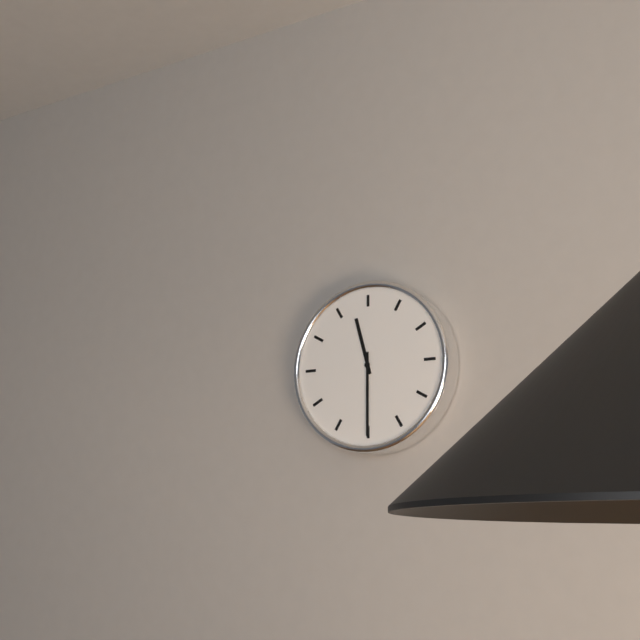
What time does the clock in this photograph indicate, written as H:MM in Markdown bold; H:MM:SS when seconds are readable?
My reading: **11:30**
